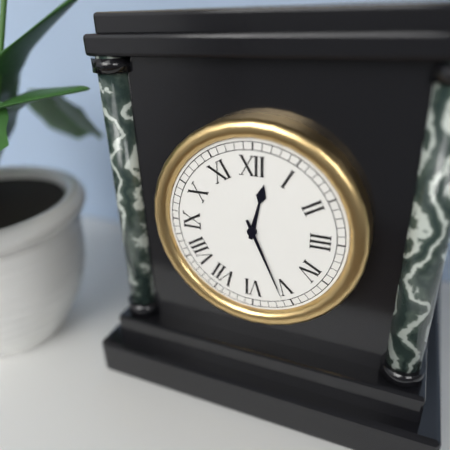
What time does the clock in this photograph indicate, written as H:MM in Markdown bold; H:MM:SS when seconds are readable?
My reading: **12:26**
